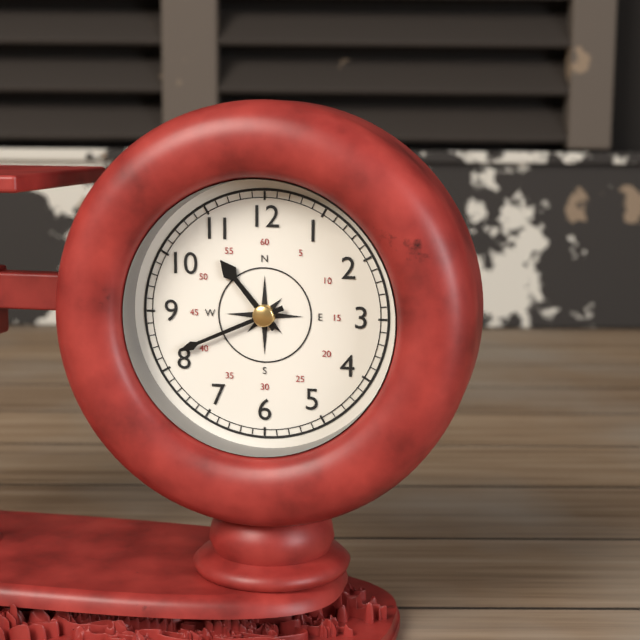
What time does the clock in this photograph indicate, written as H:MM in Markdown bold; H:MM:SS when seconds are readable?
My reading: **10:41**
